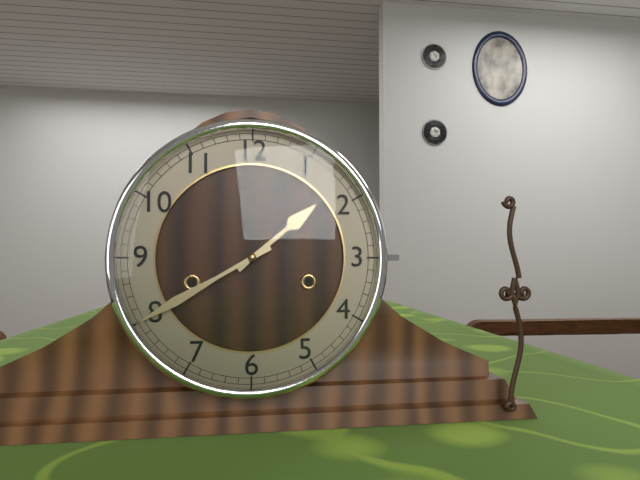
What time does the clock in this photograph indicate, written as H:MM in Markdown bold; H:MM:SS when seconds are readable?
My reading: **1:40**
